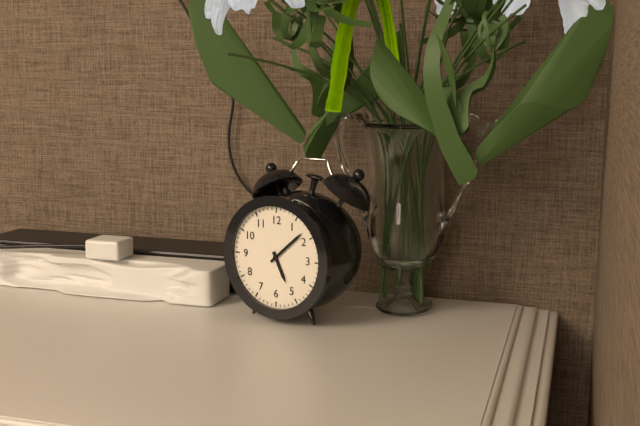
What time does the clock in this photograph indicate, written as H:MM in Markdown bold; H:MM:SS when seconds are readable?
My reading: **5:08**
